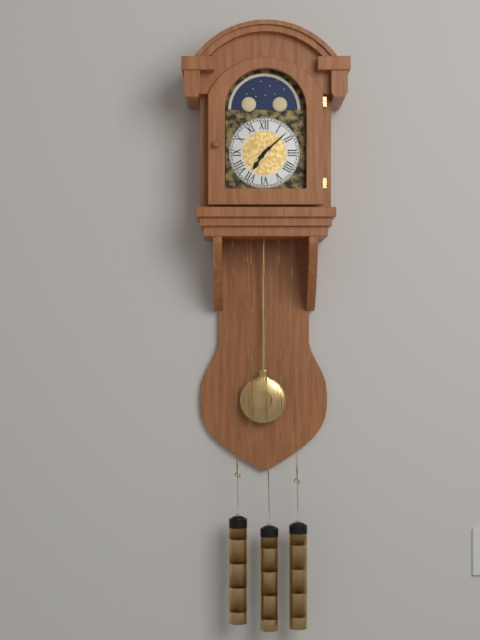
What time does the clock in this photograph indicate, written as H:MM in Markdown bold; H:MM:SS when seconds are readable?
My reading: **7:08**
